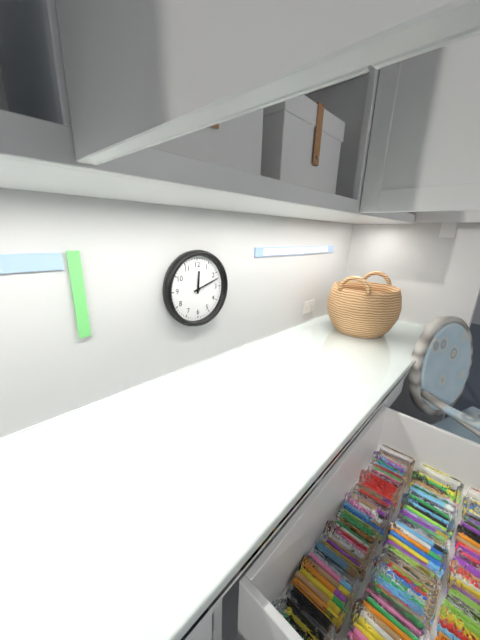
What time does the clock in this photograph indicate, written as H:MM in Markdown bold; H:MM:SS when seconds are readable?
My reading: **12:12**
